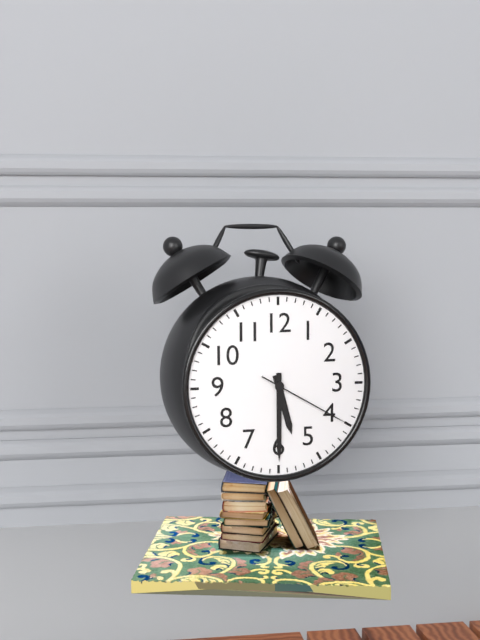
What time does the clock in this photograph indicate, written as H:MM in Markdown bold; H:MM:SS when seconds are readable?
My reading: **5:30:20**
